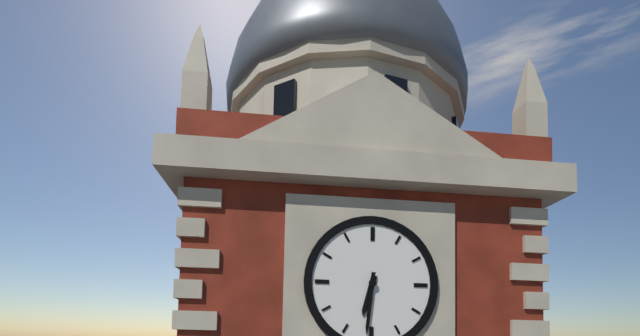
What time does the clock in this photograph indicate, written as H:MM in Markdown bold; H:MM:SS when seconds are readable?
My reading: **6:31**
